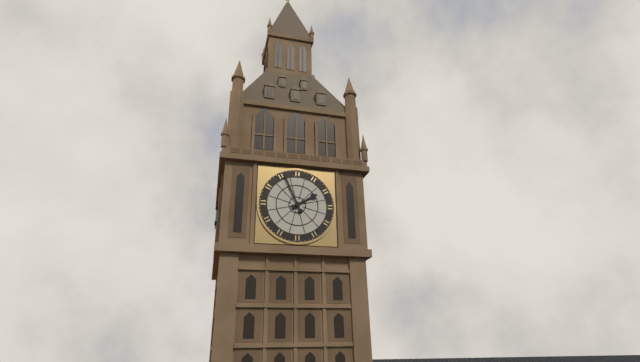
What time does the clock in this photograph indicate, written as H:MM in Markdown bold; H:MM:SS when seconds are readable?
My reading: **1:56**
